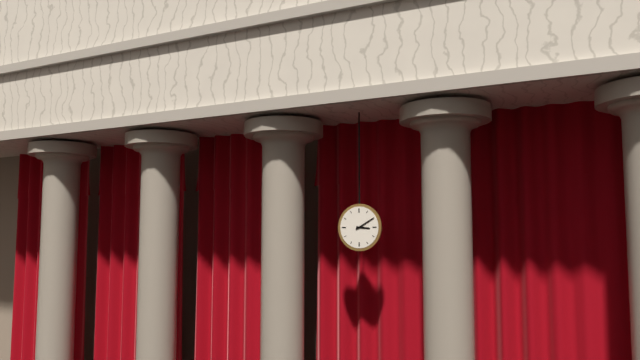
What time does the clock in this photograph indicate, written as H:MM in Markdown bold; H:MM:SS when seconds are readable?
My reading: **3:10**
